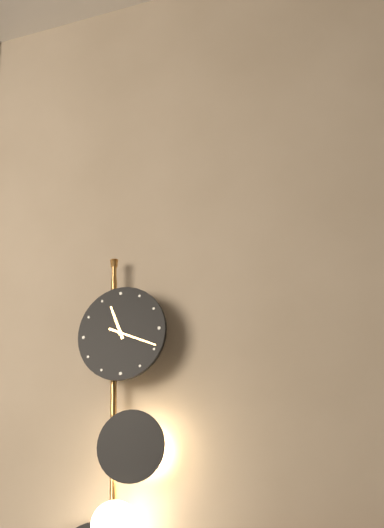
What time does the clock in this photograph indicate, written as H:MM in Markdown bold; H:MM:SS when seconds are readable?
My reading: **11:19**
